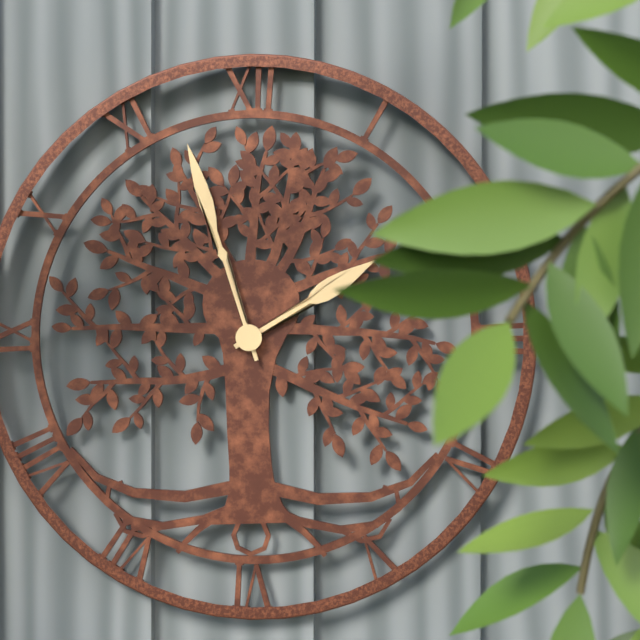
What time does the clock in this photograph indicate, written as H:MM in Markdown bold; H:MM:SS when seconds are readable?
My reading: **1:57**
